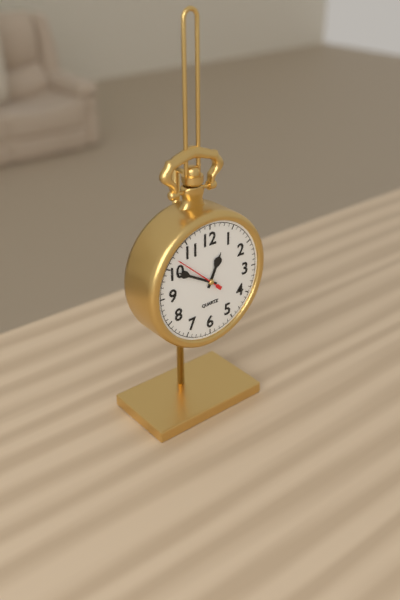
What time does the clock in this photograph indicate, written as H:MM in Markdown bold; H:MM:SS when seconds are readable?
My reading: **12:50:52**
